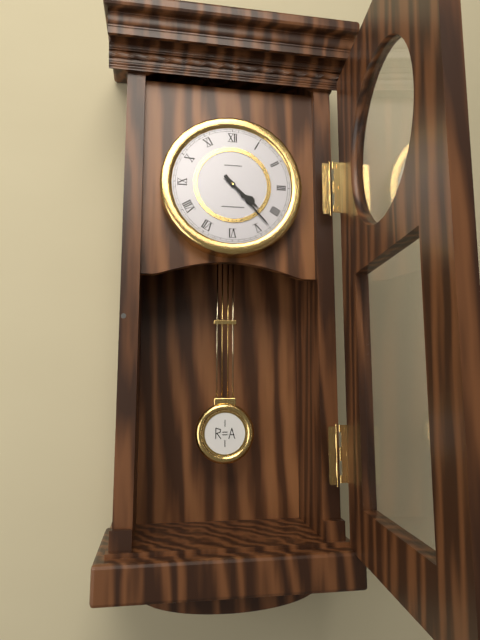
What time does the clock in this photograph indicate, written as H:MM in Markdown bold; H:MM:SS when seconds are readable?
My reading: **4:23**
